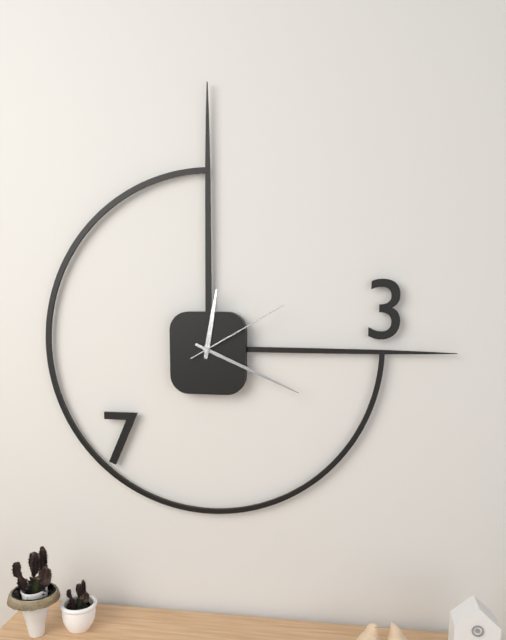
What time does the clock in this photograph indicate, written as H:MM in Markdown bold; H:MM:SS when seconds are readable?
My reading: **12:19:10**
